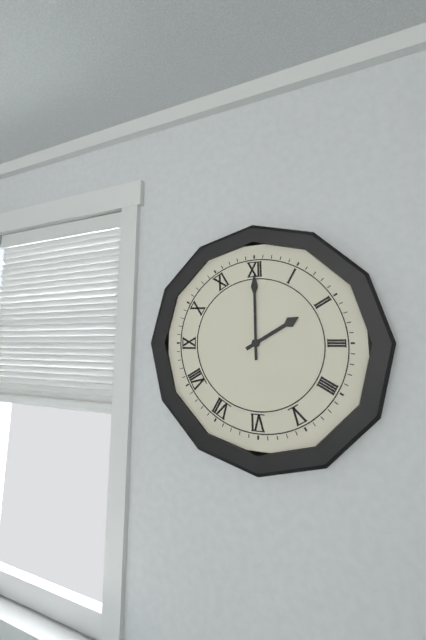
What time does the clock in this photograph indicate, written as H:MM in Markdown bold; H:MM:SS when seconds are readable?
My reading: **2:00**
